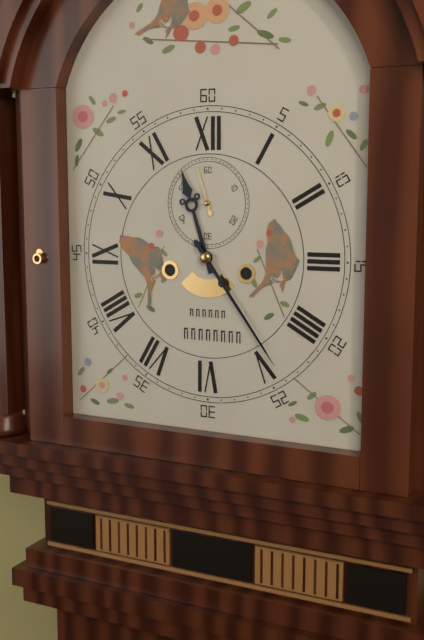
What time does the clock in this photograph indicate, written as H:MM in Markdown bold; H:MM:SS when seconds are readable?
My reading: **11:24**
